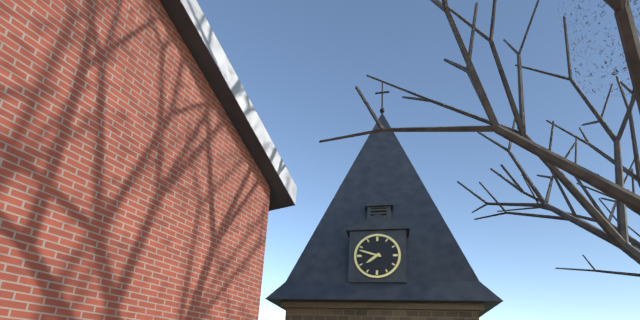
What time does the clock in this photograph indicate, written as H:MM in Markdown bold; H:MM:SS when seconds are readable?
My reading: **7:48**
